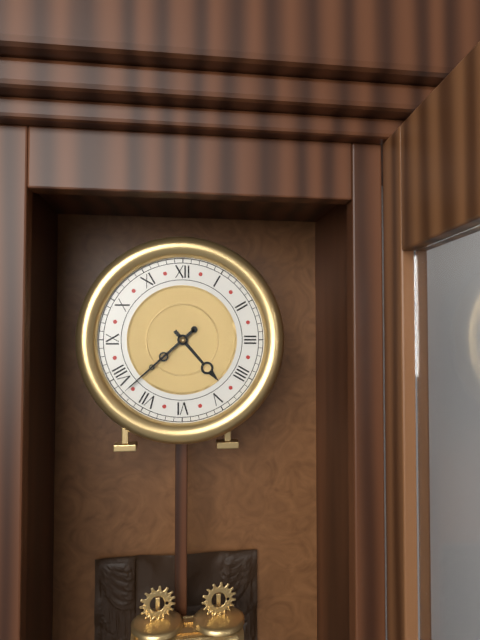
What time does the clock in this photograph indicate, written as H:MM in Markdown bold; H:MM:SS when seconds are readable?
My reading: **4:38**
